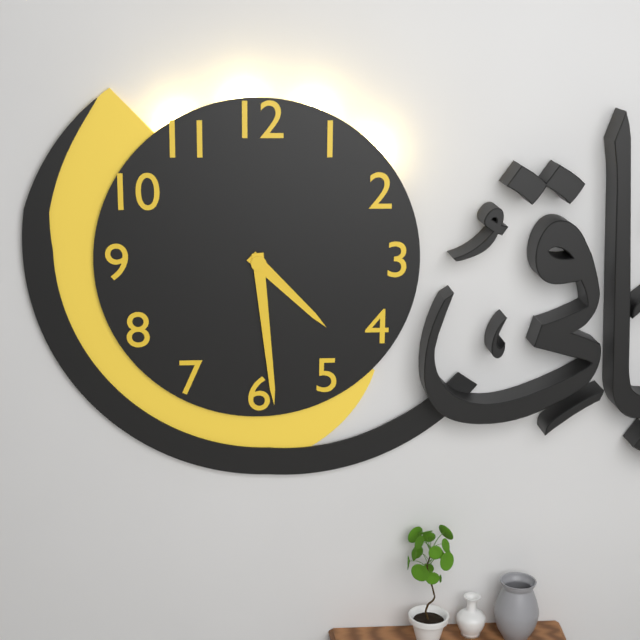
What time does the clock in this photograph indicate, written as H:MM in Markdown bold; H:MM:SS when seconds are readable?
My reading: **4:29**
